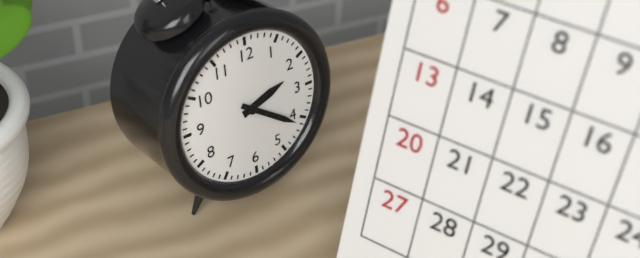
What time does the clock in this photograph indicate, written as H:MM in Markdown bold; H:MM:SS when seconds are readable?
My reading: **2:21**
